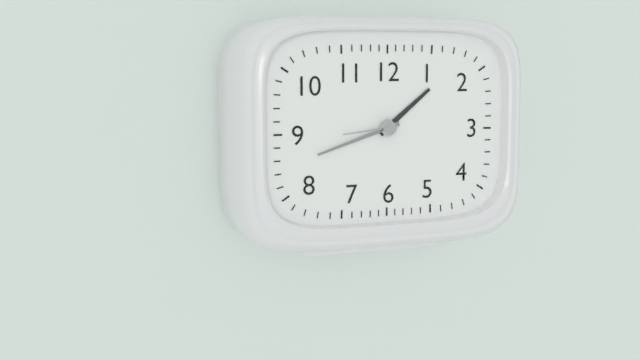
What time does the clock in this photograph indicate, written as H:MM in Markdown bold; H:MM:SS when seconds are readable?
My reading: **1:42:44**
